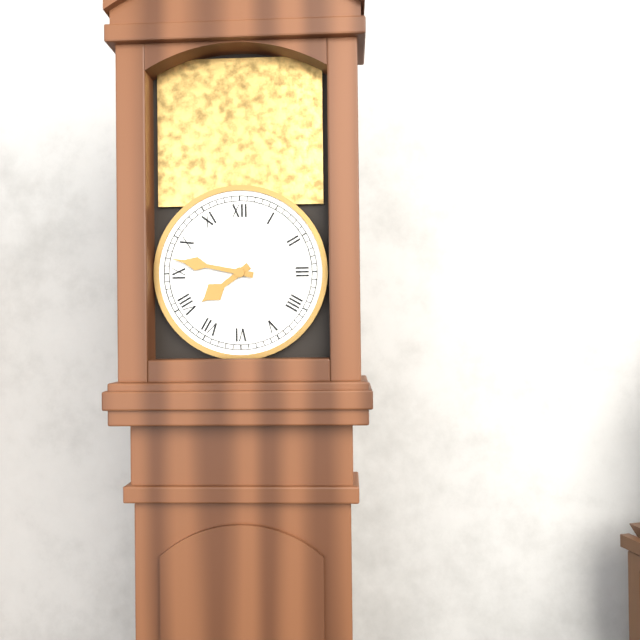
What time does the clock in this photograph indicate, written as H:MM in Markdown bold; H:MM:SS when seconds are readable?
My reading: **7:47**
